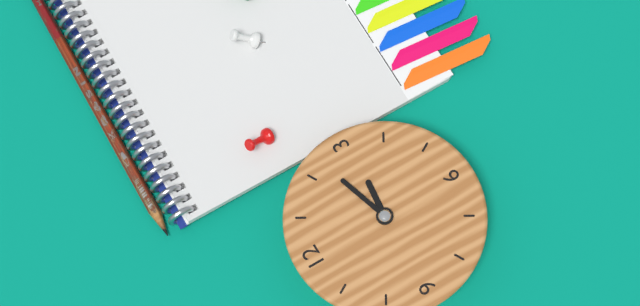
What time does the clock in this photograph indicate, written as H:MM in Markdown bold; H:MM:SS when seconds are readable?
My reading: **3:12**
